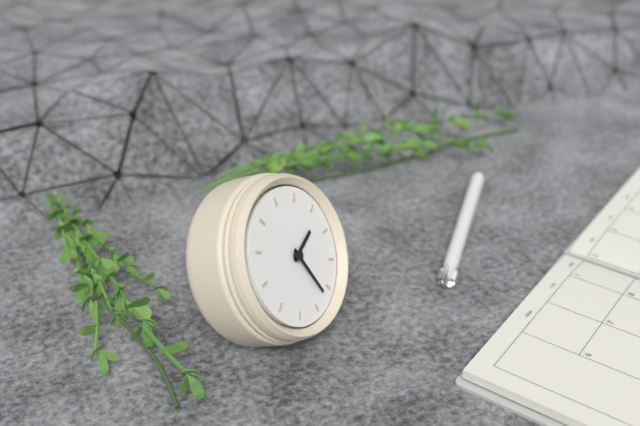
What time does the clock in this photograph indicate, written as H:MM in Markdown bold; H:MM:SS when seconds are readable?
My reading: **1:22**
